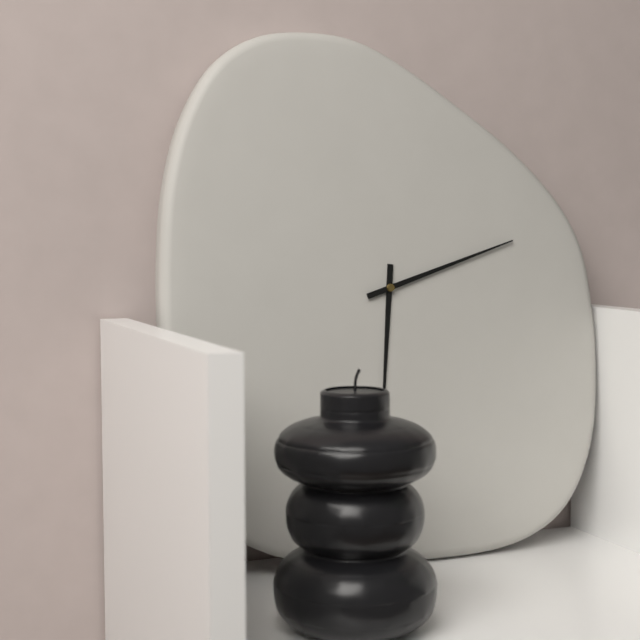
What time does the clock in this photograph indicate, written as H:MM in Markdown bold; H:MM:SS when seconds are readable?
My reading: **6:12**
